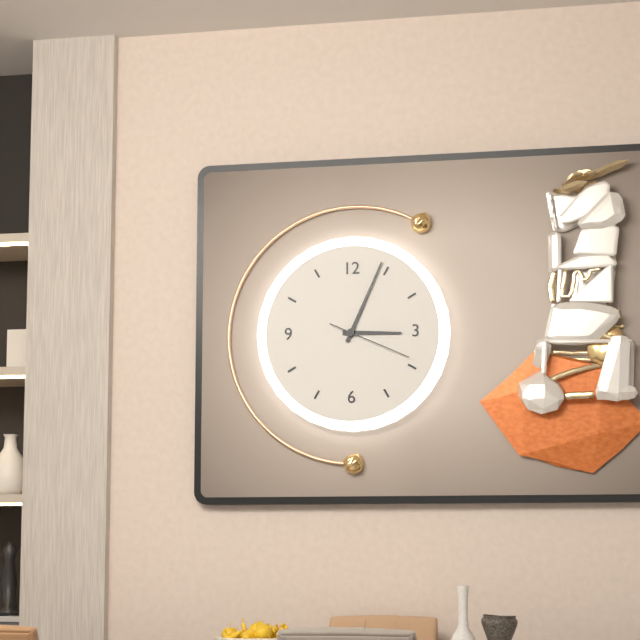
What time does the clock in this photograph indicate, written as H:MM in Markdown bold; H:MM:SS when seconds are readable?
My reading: **3:04:19**
